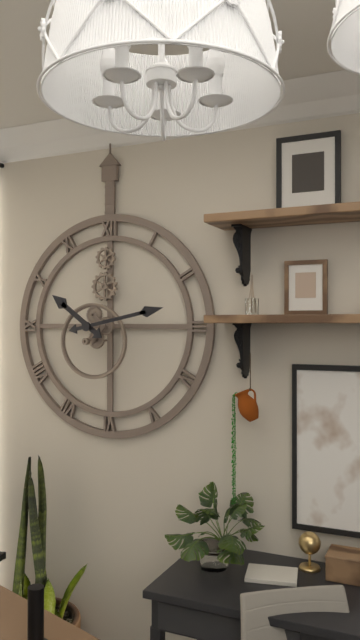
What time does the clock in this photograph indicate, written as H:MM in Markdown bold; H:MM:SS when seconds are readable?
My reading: **10:13**
